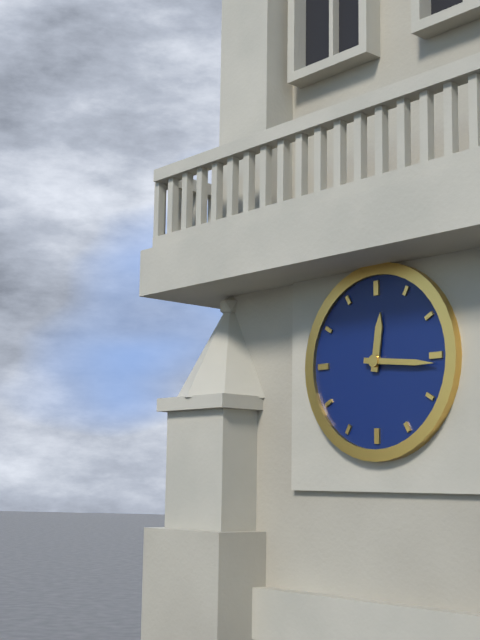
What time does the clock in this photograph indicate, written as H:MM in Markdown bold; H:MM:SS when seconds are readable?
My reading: **12:16**
